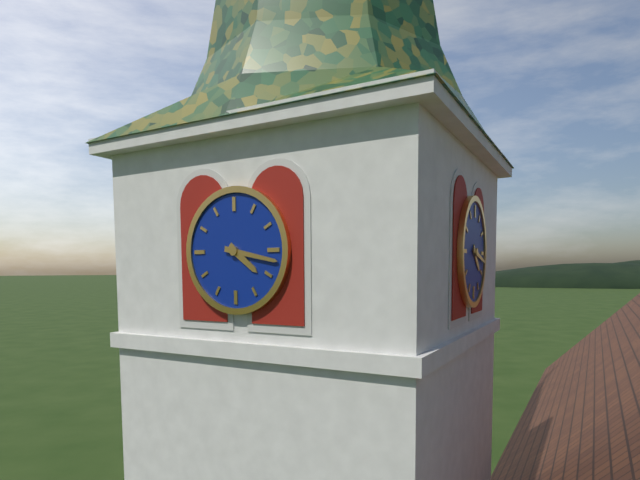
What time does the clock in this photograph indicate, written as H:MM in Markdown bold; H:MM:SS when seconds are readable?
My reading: **4:17**
